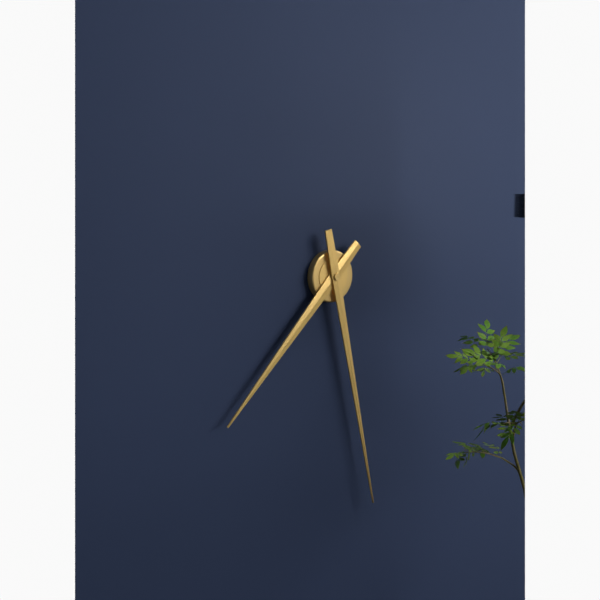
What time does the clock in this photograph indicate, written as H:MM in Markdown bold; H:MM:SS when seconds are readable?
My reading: **7:28**
